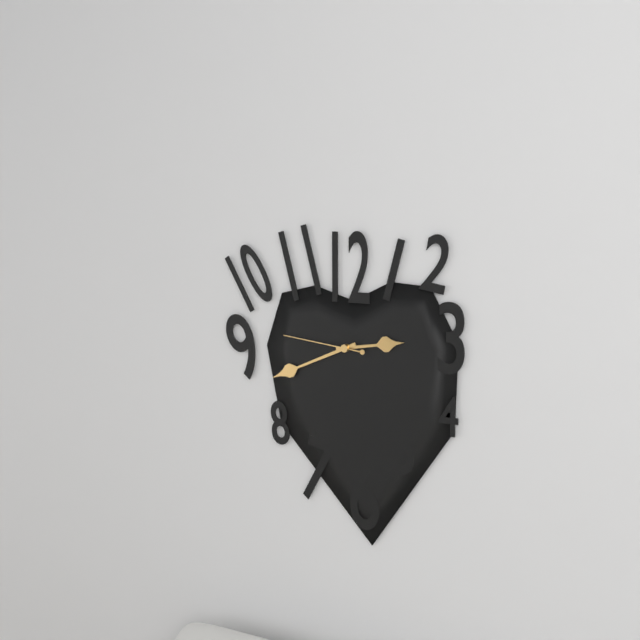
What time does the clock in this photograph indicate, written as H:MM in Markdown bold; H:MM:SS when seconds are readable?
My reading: **2:41:46**
